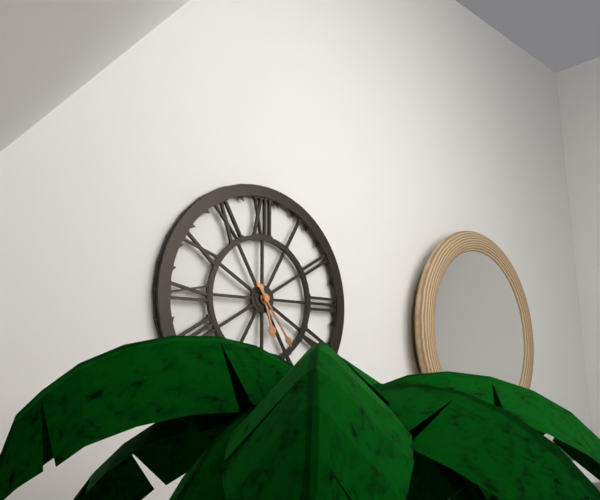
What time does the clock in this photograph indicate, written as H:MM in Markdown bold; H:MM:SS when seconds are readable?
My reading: **5:24**
